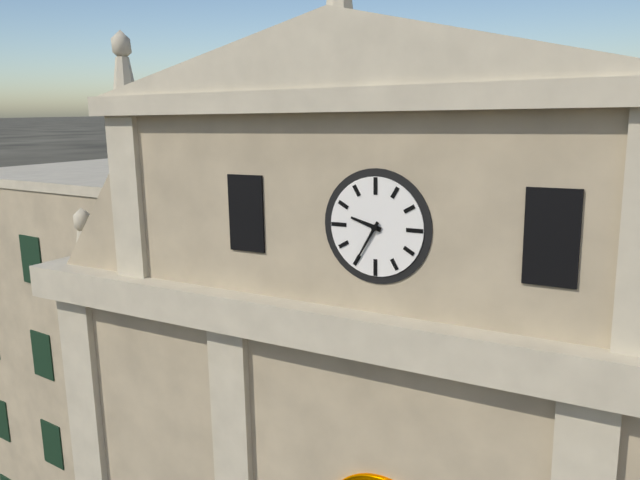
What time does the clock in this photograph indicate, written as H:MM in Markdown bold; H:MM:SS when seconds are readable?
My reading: **9:35**
